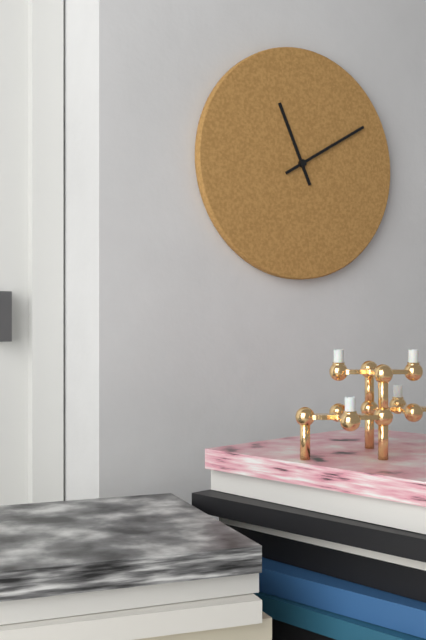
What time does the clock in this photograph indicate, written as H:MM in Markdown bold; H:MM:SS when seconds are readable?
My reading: **11:10**
